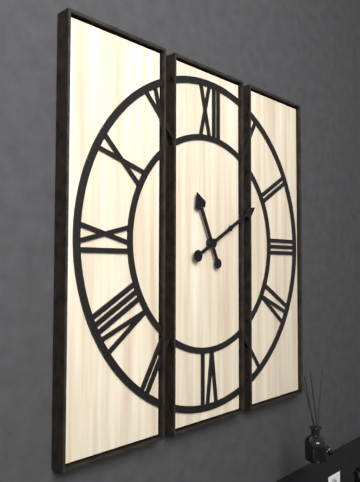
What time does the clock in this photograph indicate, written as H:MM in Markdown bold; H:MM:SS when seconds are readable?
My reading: **11:10**
